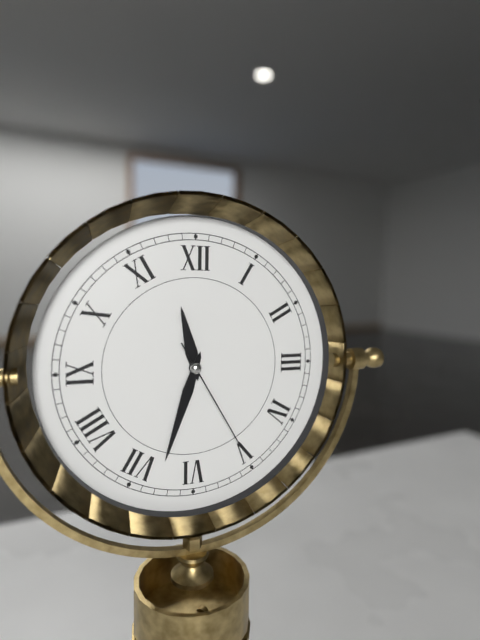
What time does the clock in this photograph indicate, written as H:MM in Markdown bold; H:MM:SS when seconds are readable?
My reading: **11:33:25**
